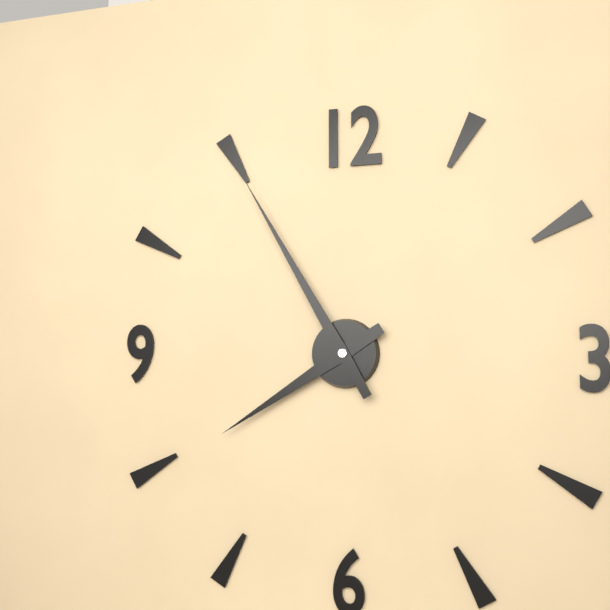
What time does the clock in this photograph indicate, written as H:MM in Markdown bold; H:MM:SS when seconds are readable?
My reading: **7:55**
